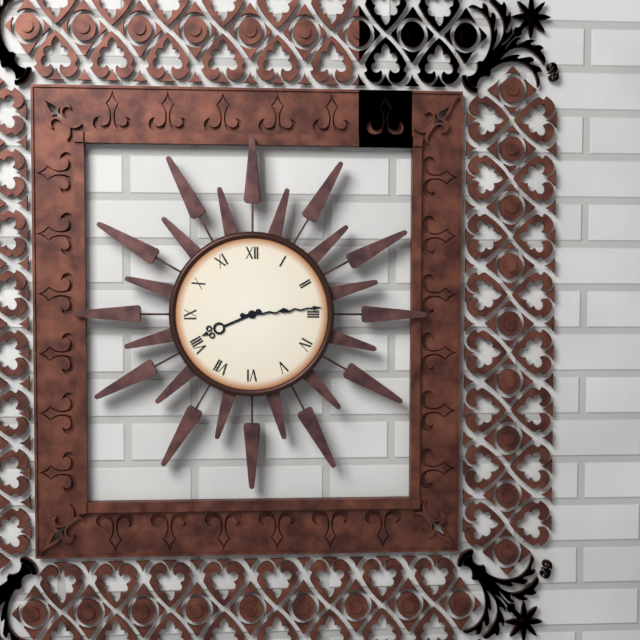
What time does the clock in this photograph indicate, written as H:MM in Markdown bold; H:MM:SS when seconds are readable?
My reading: **8:14**
